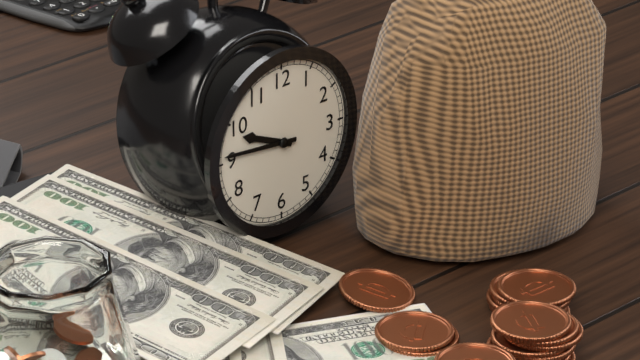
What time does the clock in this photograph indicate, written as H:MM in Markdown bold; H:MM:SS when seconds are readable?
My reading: **9:46**
